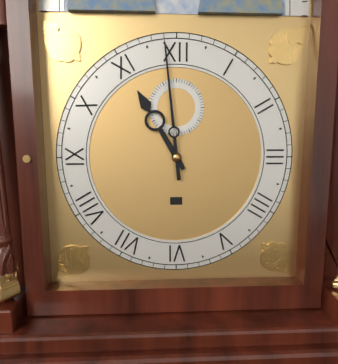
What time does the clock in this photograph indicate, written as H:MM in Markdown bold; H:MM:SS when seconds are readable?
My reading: **10:59**
